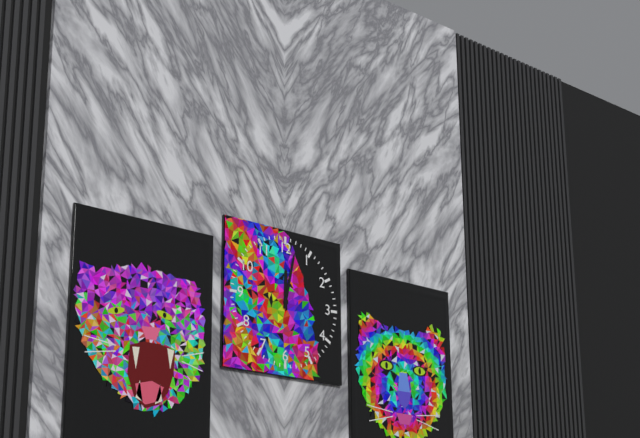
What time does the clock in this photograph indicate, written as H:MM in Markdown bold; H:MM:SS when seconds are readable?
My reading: **12:02**
